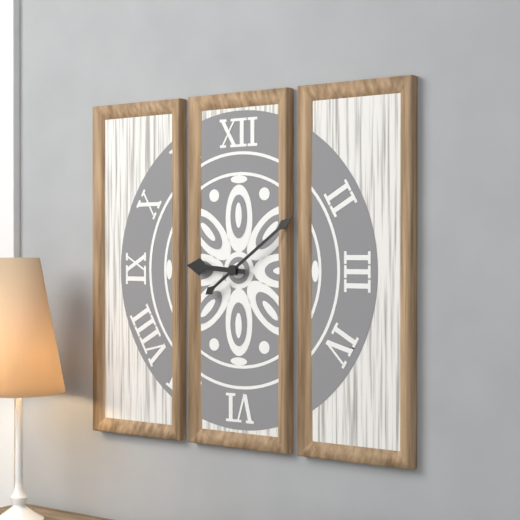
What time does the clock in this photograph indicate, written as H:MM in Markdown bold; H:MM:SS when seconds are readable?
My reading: **9:09**
